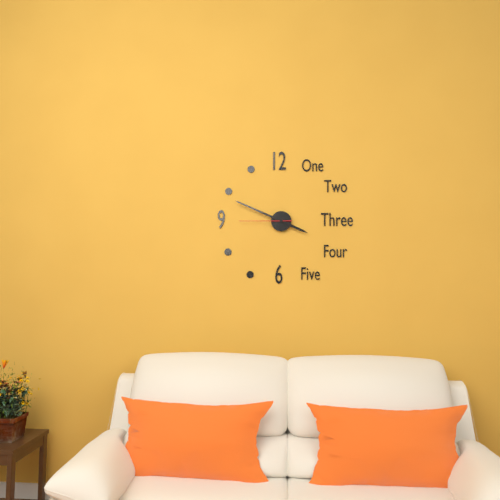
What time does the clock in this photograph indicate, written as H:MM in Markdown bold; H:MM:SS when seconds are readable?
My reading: **3:49:45**
